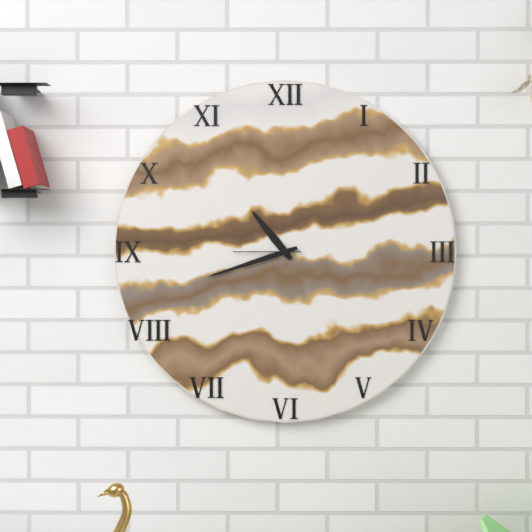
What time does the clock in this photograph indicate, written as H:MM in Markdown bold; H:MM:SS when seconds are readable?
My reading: **10:42:45**
